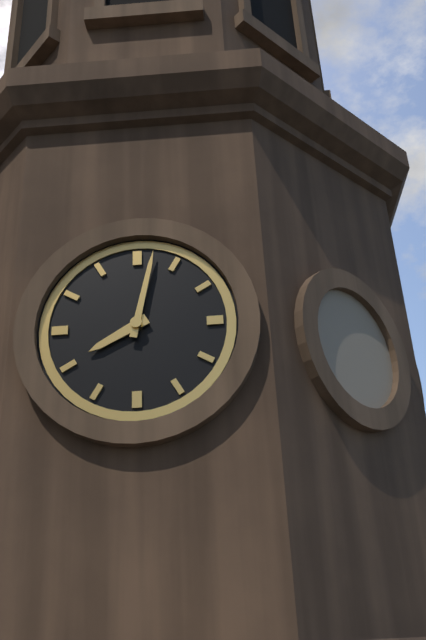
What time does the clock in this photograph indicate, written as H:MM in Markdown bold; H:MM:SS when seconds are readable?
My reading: **8:02**
